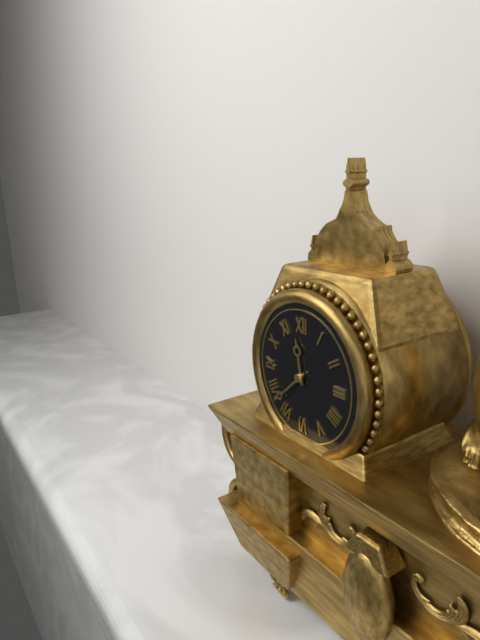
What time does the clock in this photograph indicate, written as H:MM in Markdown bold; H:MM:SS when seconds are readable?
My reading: **11:38**
